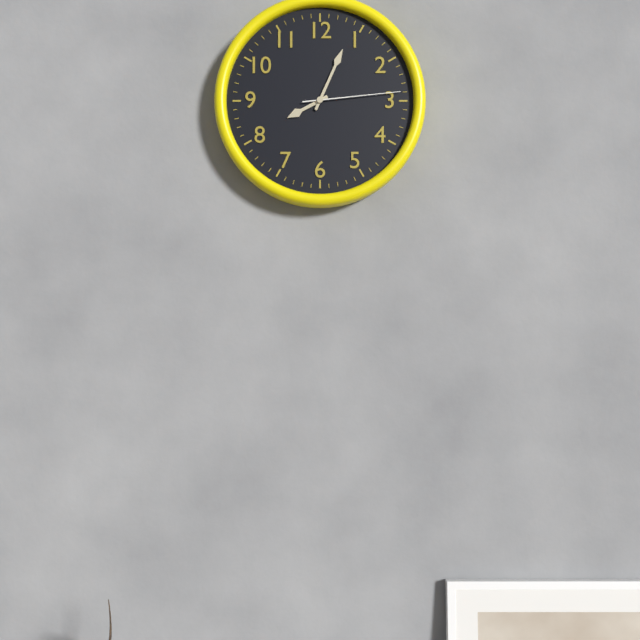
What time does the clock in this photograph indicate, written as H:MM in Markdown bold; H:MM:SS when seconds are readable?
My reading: **8:04:14**
